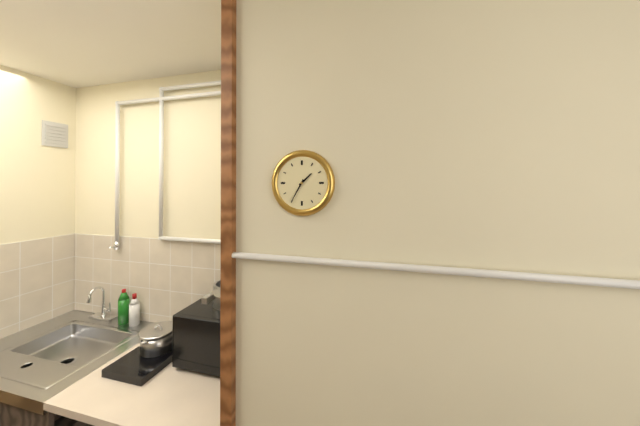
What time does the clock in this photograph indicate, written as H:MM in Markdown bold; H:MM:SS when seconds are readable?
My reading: **1:35**
